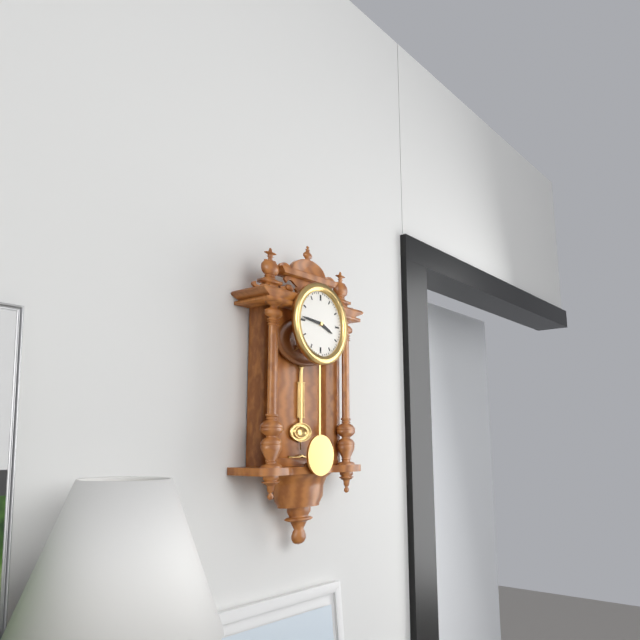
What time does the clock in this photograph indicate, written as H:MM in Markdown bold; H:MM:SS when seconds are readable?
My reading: **3:46**
